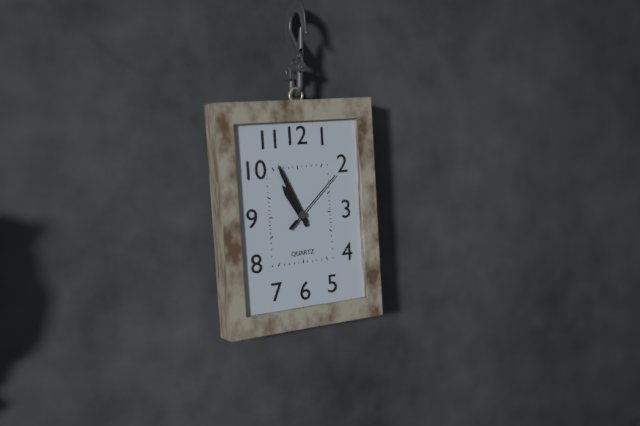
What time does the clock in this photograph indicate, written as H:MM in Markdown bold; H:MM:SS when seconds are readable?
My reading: **10:56:08**
